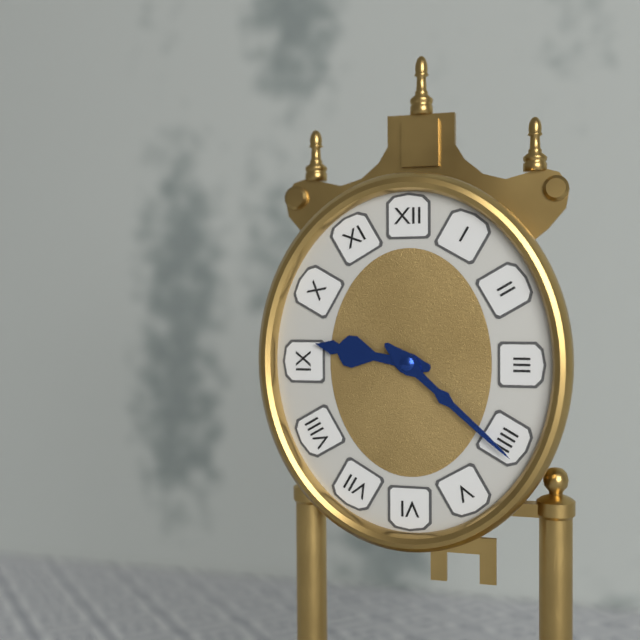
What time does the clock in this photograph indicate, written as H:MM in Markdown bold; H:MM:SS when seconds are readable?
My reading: **9:22**
